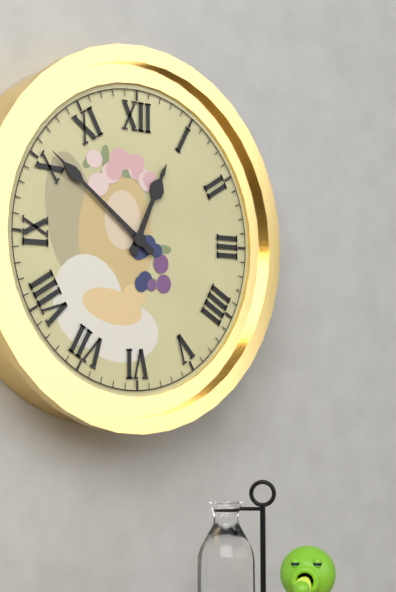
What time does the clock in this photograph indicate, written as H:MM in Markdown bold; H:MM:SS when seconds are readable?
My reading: **12:51**
